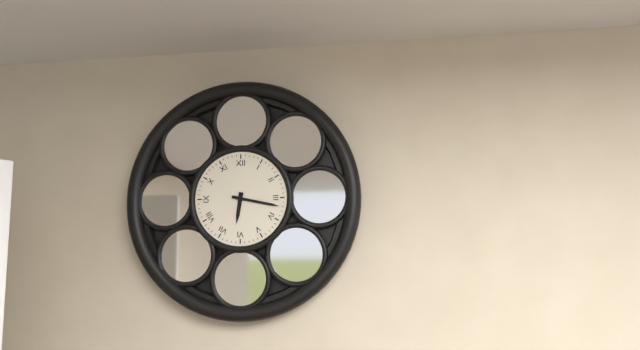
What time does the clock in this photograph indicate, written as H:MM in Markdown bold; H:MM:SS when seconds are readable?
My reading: **6:17**
